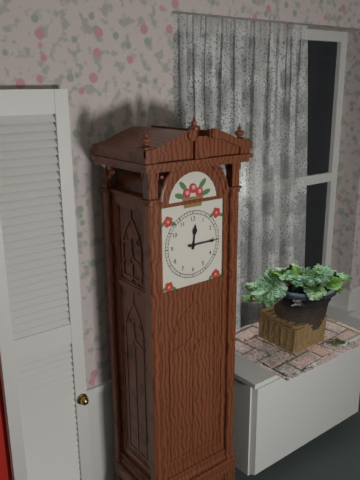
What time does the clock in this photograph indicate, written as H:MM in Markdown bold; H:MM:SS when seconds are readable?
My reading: **12:15**
